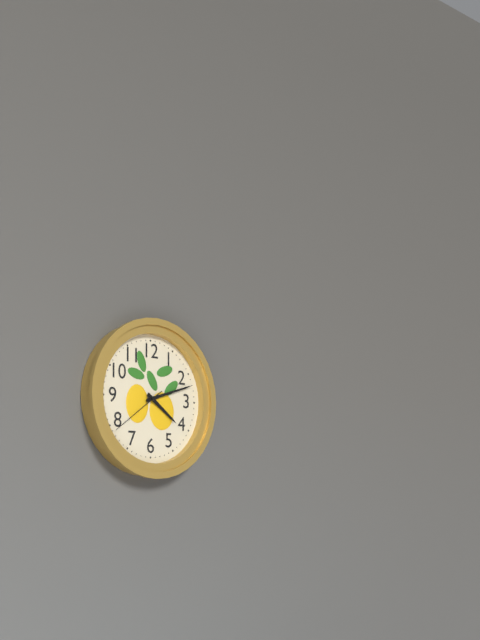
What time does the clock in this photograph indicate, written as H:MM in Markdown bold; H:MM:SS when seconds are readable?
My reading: **4:12:39**
